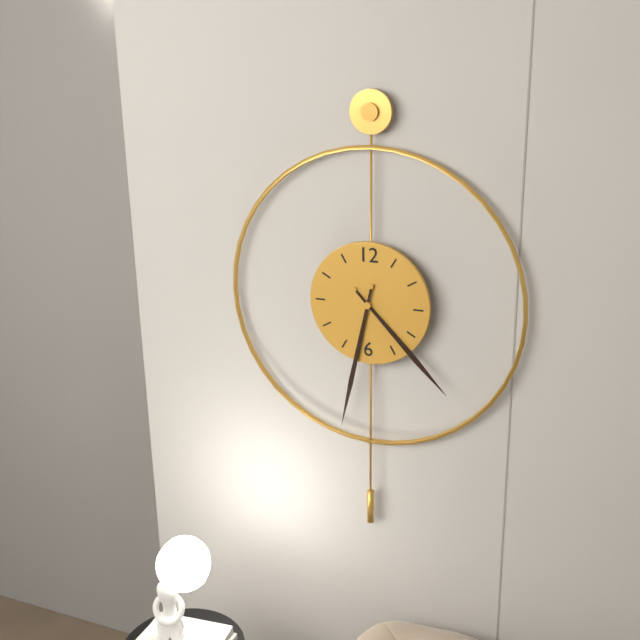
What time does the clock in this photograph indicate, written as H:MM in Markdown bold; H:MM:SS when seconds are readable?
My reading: **4:32**
